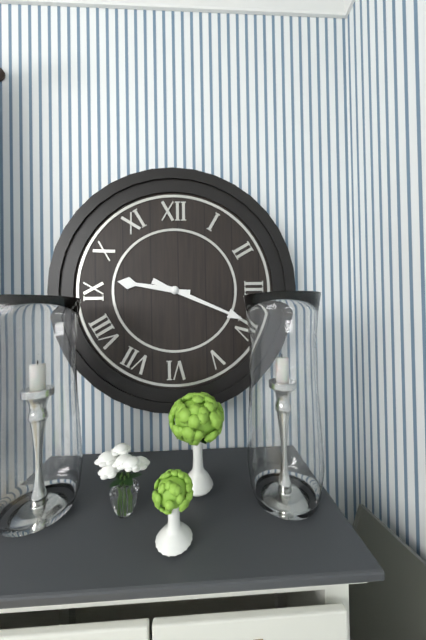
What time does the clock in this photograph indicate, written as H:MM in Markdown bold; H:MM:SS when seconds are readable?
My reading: **9:19**
